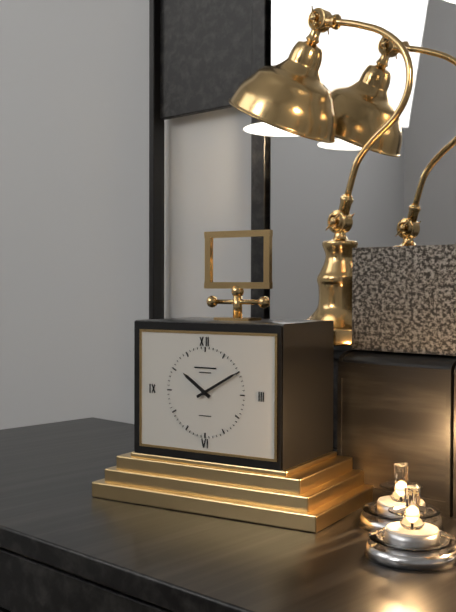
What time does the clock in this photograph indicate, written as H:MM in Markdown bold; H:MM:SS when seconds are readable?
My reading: **10:10**
